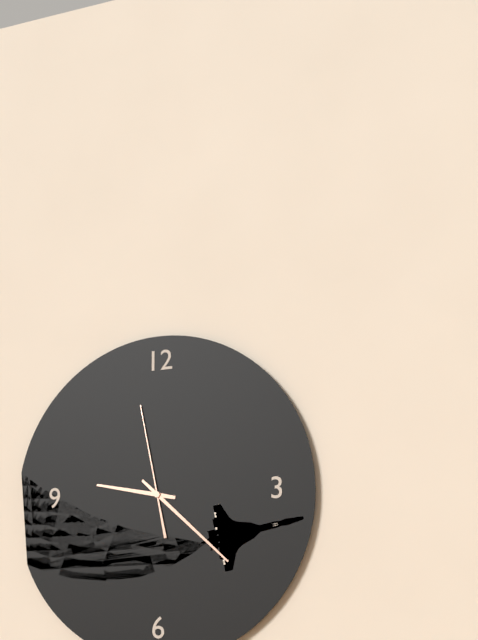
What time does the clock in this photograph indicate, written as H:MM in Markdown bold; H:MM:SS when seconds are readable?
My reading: **9:22:58**
